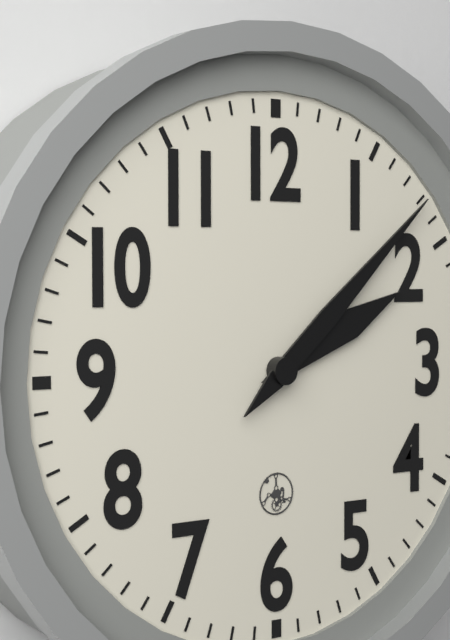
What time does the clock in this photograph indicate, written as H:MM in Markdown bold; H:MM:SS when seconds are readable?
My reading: **2:08**
